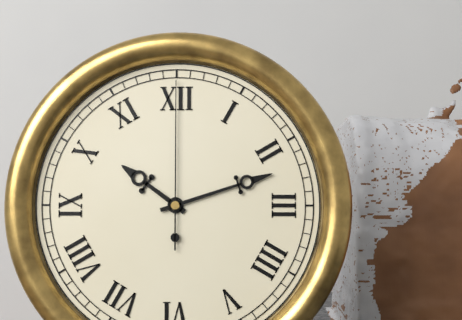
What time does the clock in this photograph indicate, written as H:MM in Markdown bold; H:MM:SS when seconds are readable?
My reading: **10:12:00**
